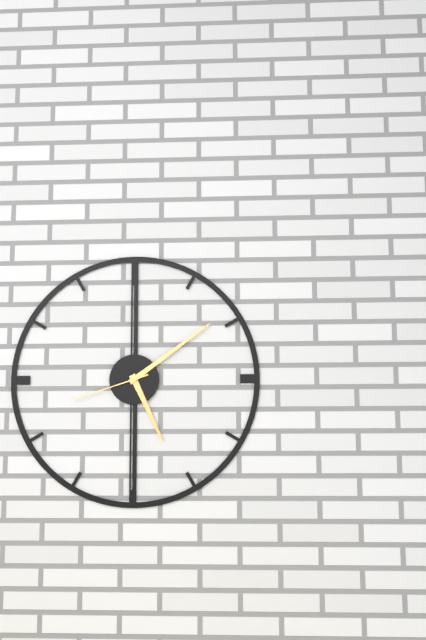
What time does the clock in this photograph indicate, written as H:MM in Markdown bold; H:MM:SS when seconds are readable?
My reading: **5:09:42**
